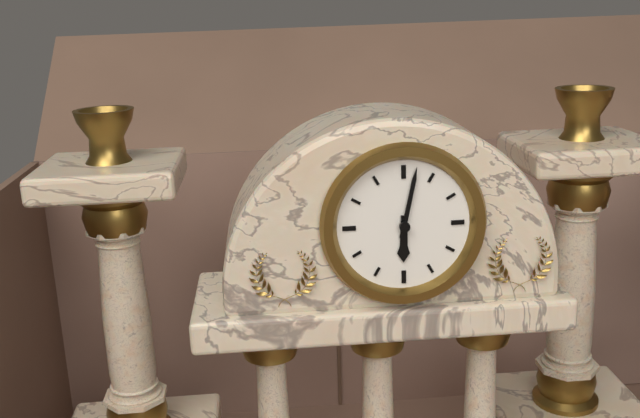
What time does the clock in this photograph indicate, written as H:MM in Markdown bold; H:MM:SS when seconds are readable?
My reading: **6:02**
